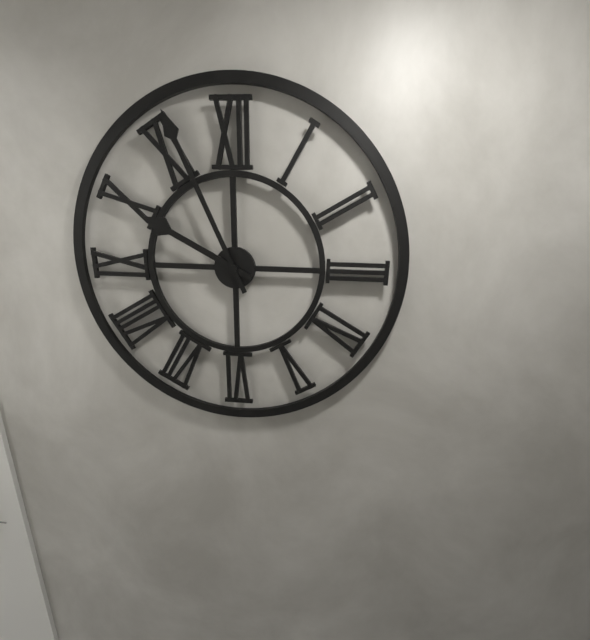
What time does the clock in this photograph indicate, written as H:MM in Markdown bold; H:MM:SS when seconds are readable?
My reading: **9:56**
